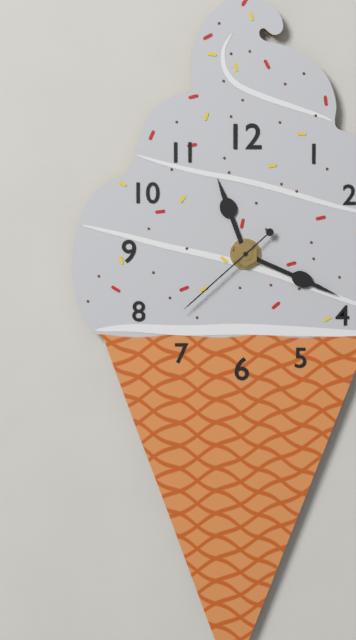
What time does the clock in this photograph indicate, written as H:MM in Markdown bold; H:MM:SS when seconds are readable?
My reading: **11:19:38**
